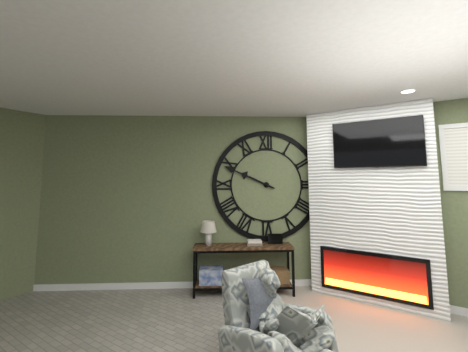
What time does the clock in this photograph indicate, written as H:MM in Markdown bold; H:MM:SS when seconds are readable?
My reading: **9:49**
